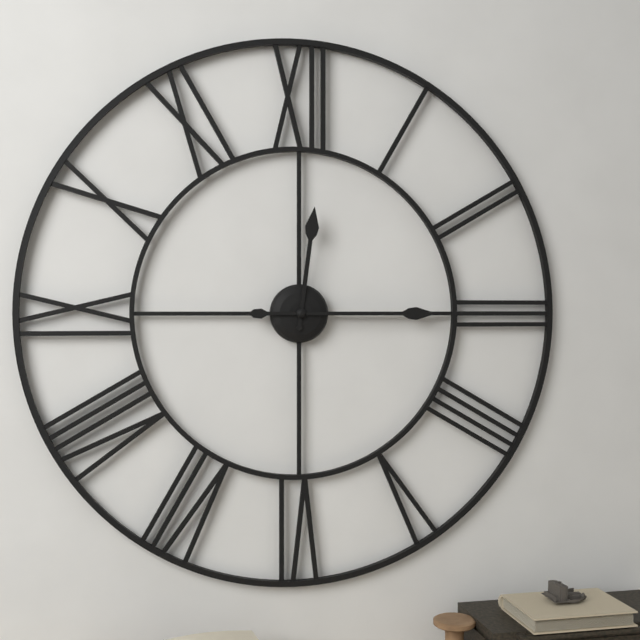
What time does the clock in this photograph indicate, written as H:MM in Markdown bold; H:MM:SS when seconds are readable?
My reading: **12:15**
